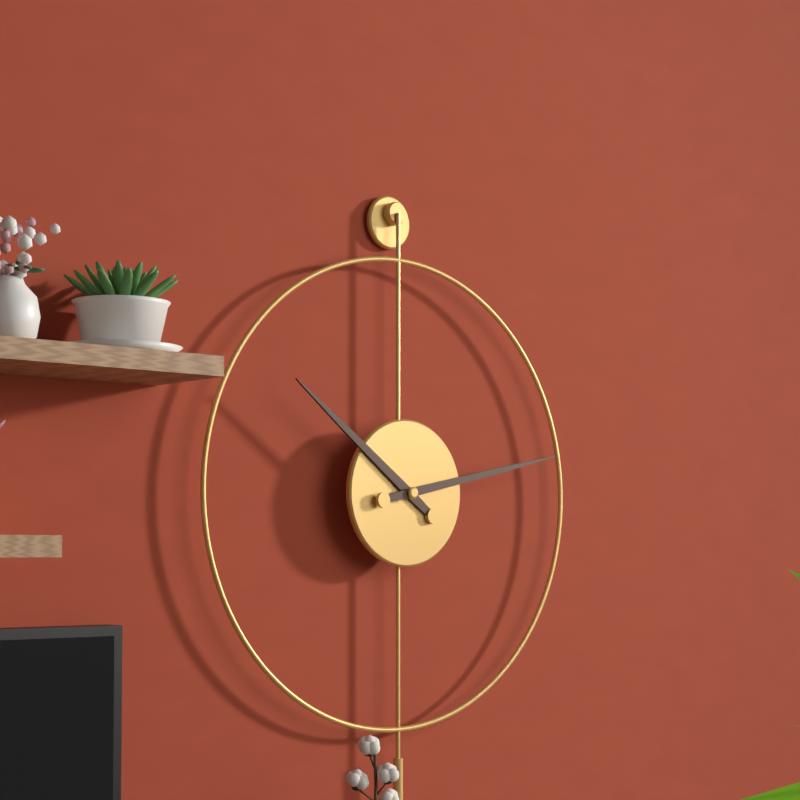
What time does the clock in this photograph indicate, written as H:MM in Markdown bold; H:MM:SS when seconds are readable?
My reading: **10:13**
